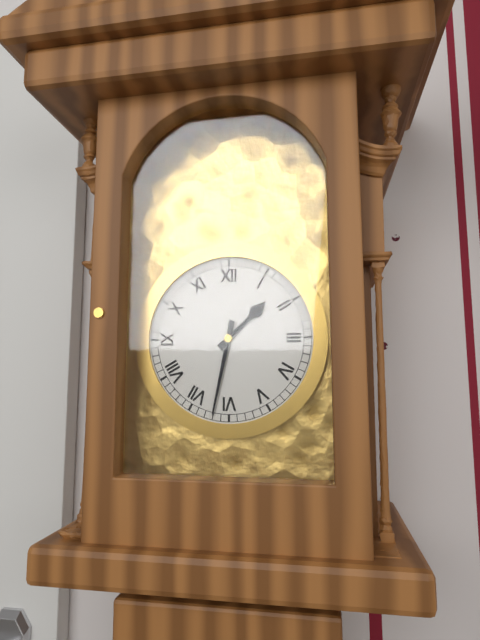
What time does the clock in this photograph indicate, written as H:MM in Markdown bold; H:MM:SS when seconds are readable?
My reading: **1:32**
